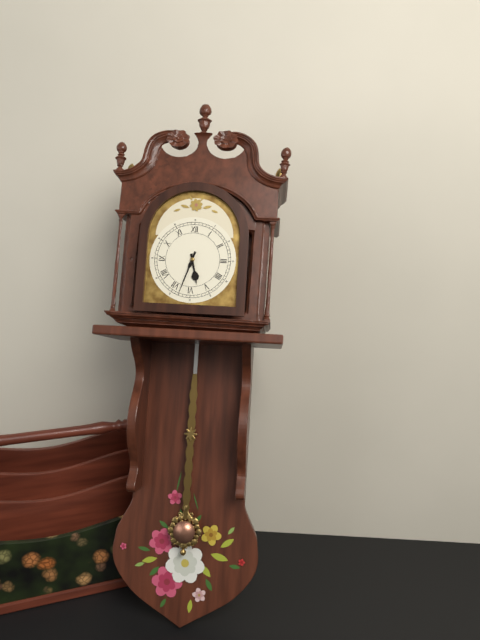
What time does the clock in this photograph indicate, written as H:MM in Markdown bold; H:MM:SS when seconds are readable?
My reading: **5:33**
